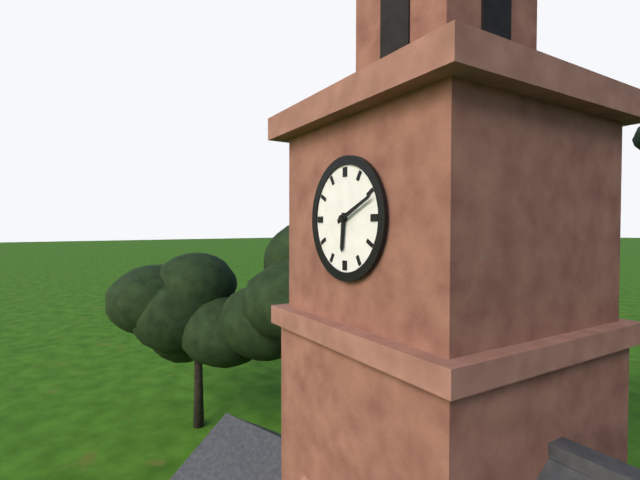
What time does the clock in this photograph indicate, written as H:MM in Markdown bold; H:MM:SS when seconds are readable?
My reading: **6:11**
